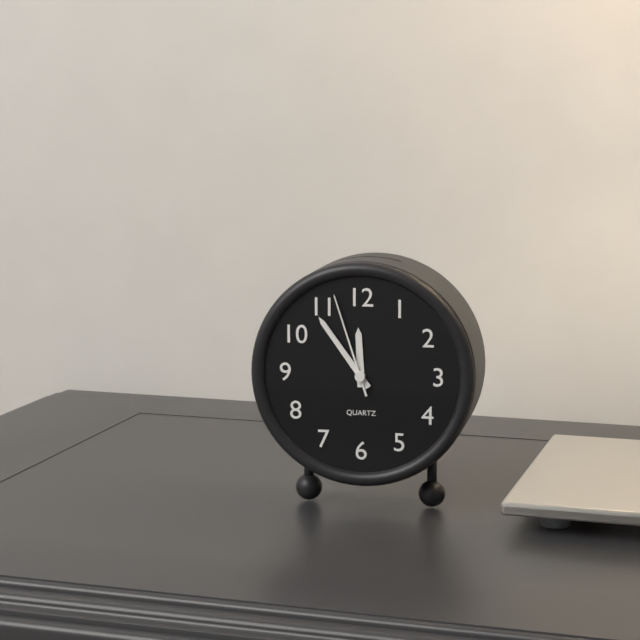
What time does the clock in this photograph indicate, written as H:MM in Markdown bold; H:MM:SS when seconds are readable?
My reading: **11:54:57**
